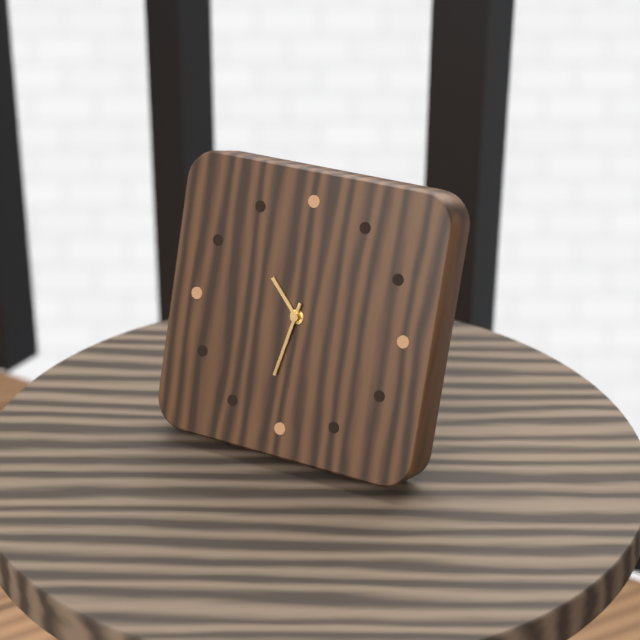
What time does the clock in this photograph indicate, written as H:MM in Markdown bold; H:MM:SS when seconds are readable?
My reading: **10:32**
